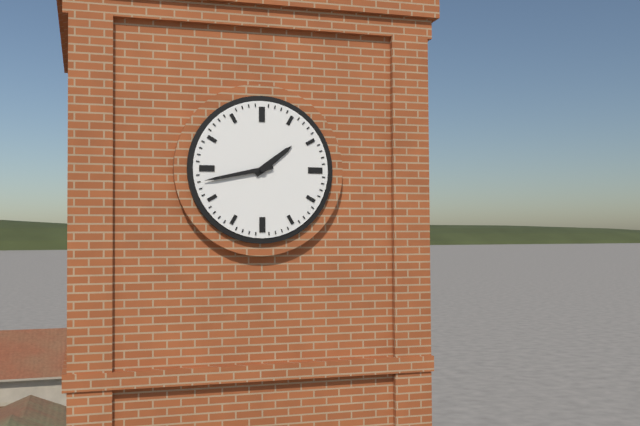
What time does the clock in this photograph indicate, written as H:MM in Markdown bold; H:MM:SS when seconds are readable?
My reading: **1:43**
